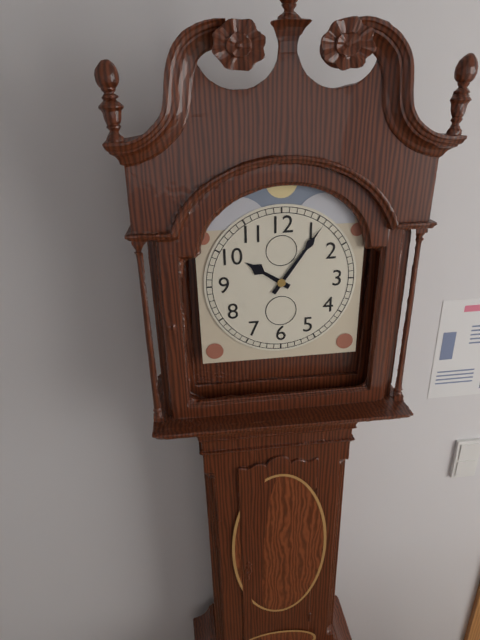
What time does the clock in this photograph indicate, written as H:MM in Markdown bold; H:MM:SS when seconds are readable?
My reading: **10:06**
